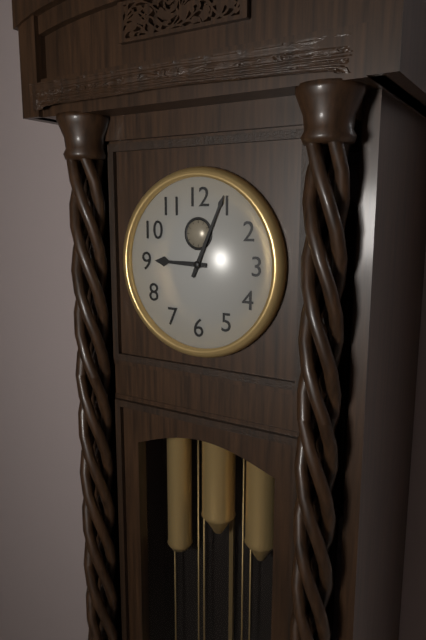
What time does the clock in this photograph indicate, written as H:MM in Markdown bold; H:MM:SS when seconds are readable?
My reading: **9:04**
